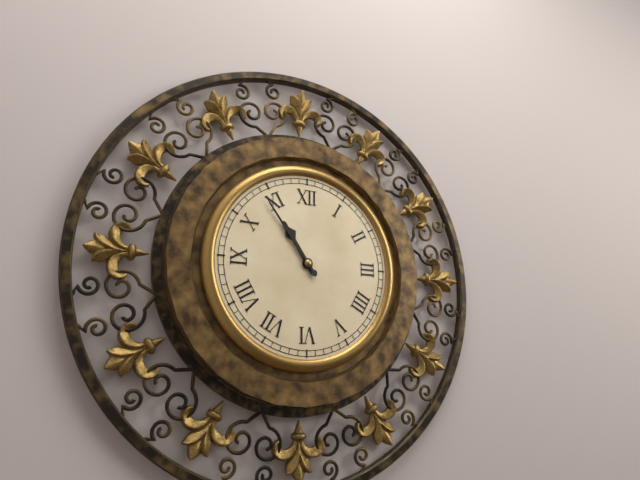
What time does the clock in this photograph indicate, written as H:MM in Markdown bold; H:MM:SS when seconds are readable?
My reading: **10:54**
